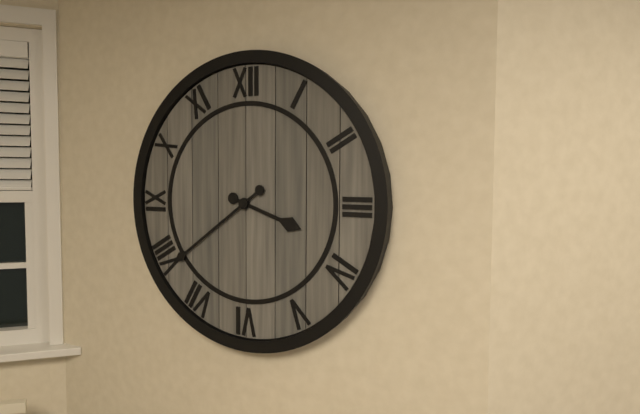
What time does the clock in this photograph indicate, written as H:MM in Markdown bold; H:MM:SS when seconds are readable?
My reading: **3:39**
